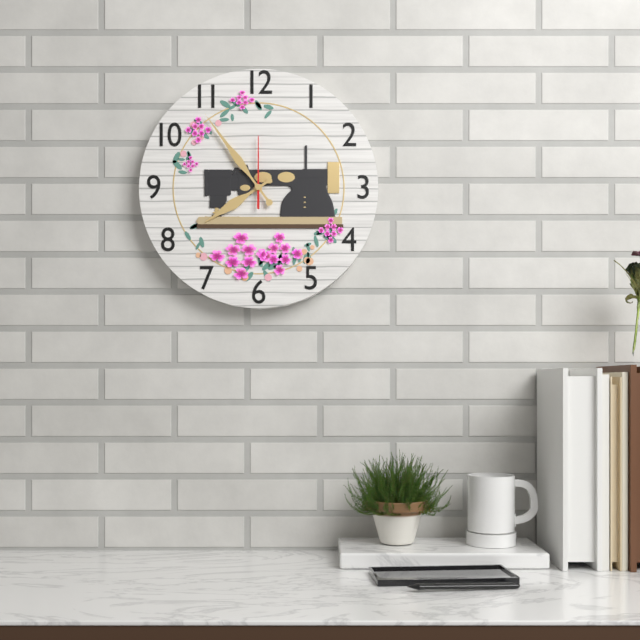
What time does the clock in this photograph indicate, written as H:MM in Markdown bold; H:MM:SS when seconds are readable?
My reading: **7:54:00**
